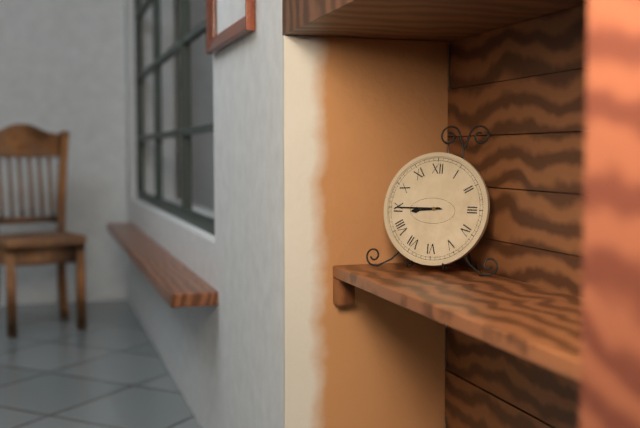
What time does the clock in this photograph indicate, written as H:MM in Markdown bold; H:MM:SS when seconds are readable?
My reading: **8:45**
